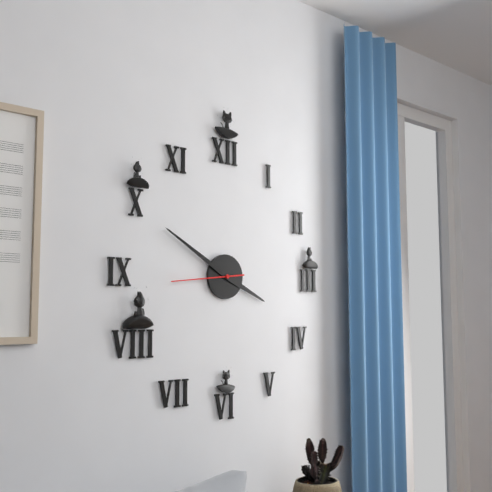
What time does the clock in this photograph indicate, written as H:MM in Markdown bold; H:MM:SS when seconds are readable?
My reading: **3:50:44**
